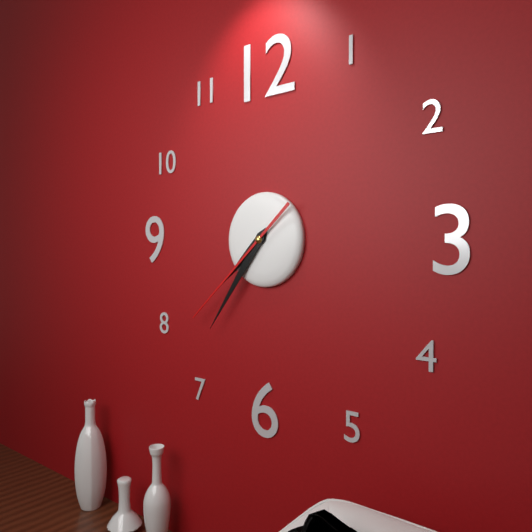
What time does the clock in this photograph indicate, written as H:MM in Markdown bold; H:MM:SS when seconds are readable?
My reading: **7:36:38**
